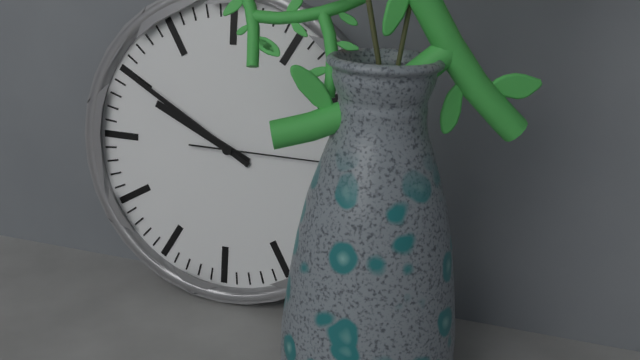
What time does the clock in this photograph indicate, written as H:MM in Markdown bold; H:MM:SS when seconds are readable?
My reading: **9:50:15**
